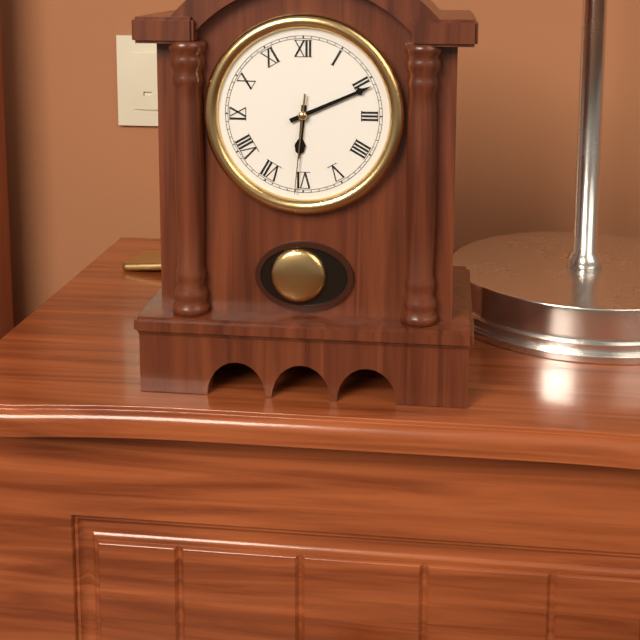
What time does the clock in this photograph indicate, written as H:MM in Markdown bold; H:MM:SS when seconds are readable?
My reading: **6:11:31**
